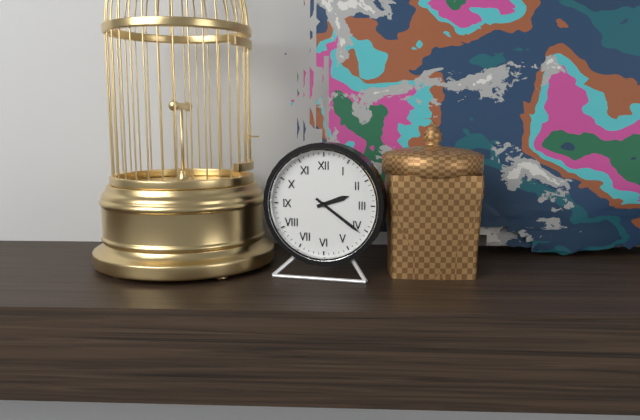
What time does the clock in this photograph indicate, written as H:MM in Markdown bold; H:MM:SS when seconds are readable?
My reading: **2:21**
